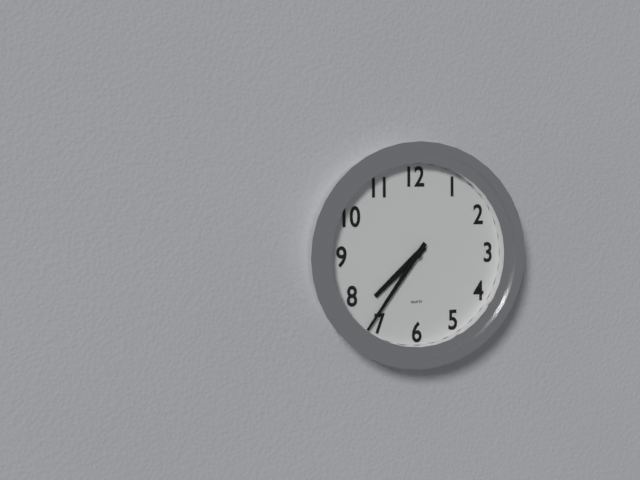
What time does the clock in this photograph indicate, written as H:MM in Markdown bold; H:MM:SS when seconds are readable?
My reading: **7:36**
